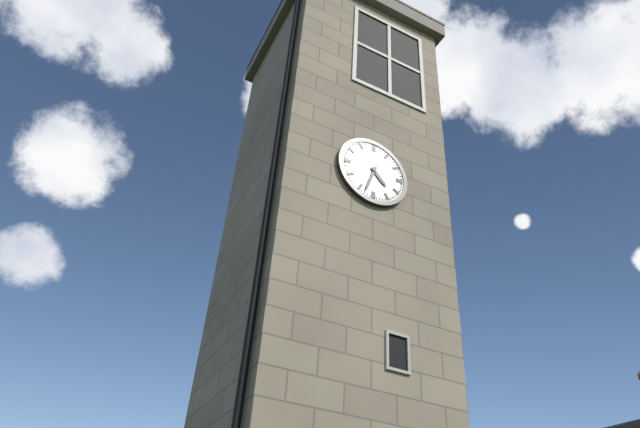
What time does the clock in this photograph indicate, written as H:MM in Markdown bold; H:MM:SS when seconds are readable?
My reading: **4:33**
